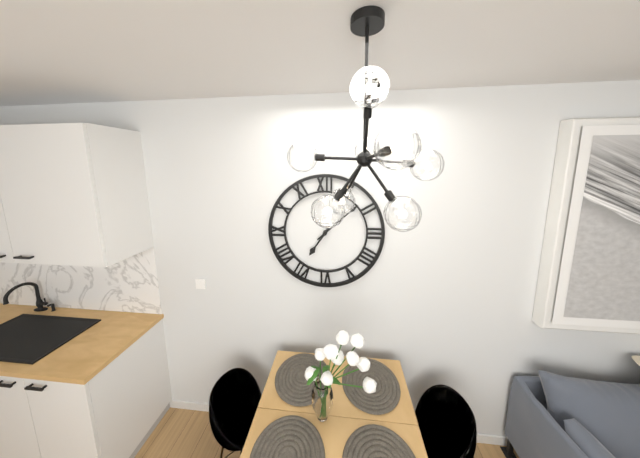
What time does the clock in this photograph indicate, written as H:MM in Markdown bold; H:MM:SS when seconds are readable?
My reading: **7:08**
